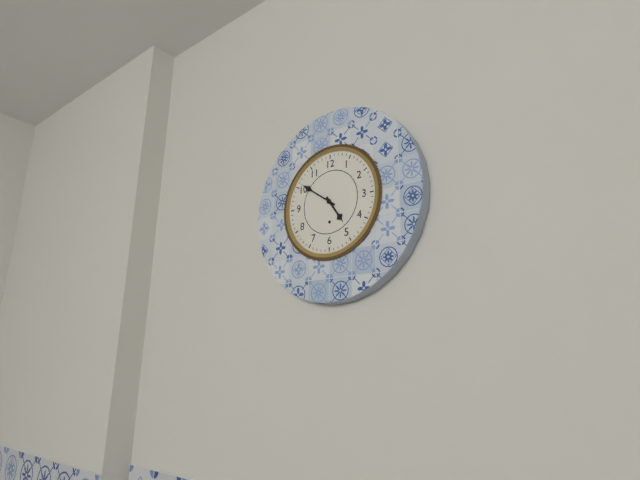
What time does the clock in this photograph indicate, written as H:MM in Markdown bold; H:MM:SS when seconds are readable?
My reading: **4:51**
